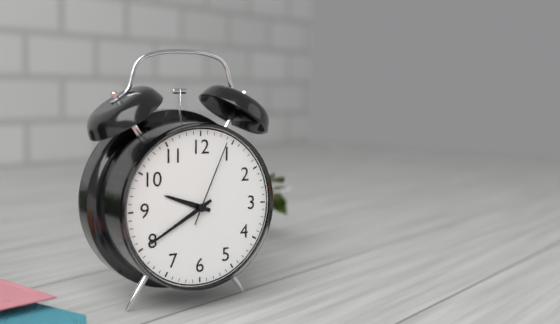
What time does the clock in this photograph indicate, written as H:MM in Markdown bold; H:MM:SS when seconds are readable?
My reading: **9:40:04**
